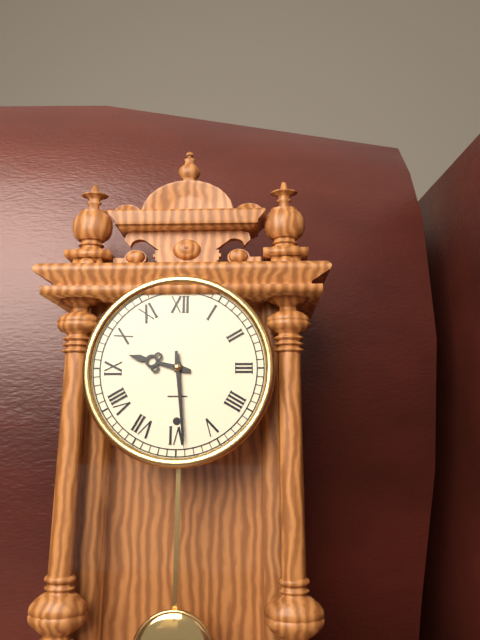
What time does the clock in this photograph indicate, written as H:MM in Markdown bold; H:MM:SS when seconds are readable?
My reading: **9:29**
